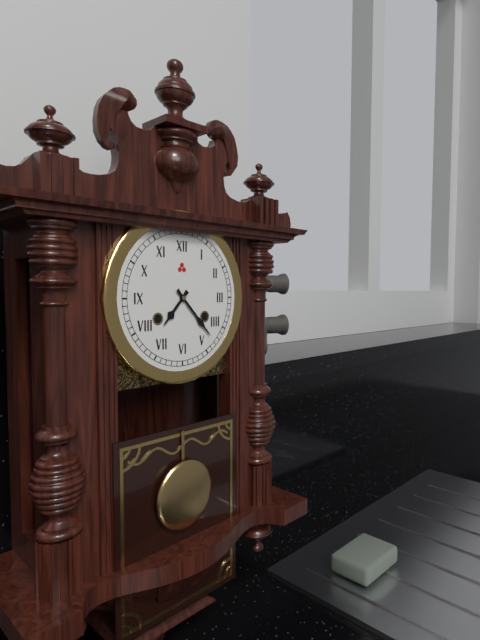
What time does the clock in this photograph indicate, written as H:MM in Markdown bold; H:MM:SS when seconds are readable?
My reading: **7:23**
